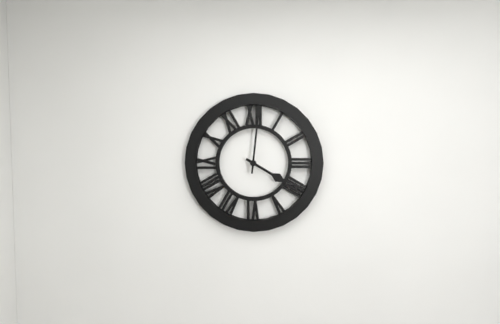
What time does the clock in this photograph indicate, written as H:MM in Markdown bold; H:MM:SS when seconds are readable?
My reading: **4:01**
